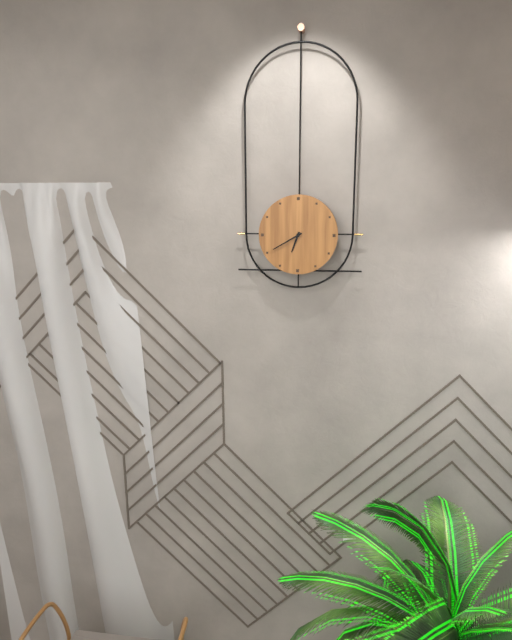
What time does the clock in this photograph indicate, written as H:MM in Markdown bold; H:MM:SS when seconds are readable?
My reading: **6:40**
